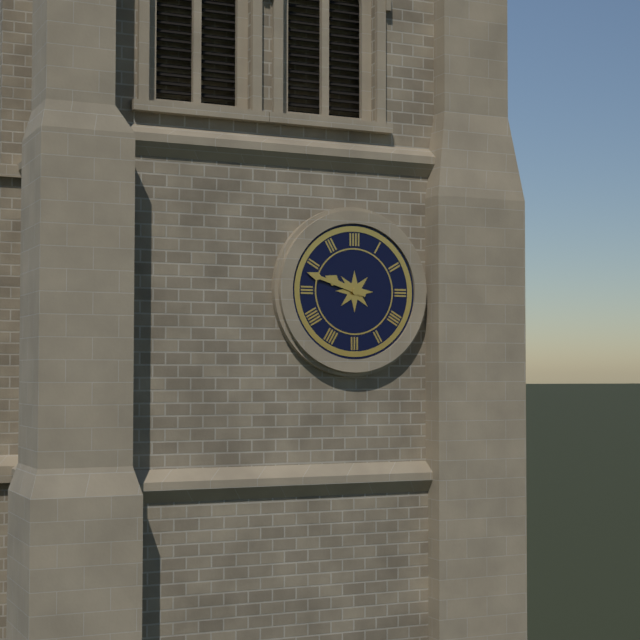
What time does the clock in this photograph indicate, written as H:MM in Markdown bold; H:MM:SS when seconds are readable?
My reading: **9:48**
